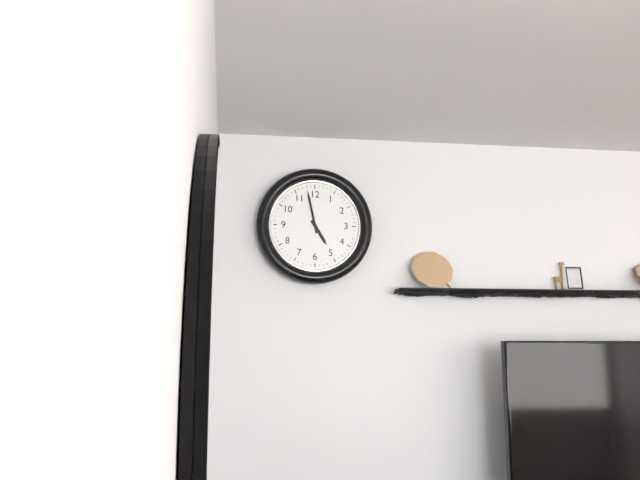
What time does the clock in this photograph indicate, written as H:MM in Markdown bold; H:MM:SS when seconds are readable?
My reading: **4:58**
